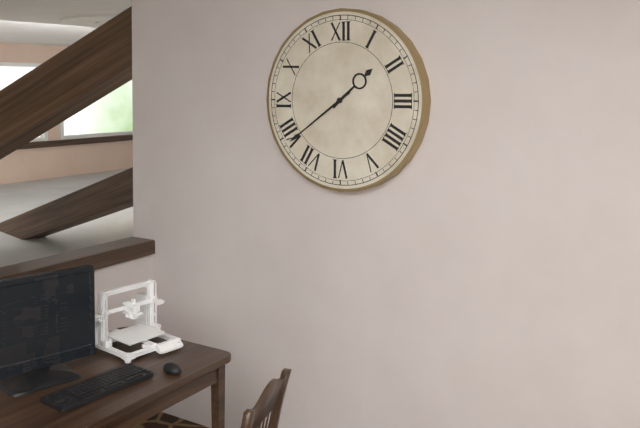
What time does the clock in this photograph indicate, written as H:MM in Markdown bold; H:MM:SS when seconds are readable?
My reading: **1:39**
